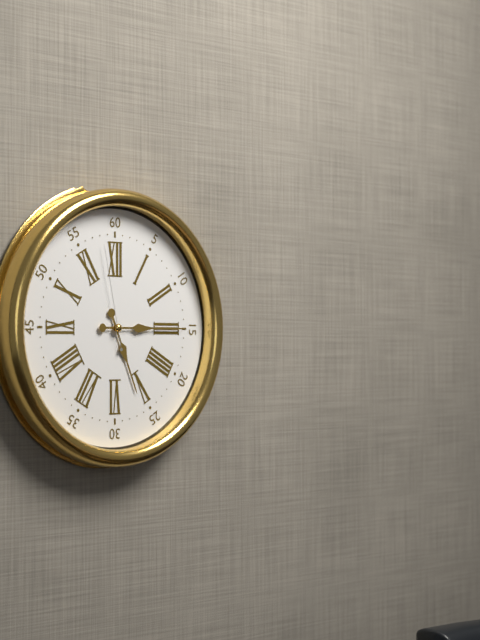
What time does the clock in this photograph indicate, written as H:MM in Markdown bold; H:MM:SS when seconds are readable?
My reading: **5:15:58**
